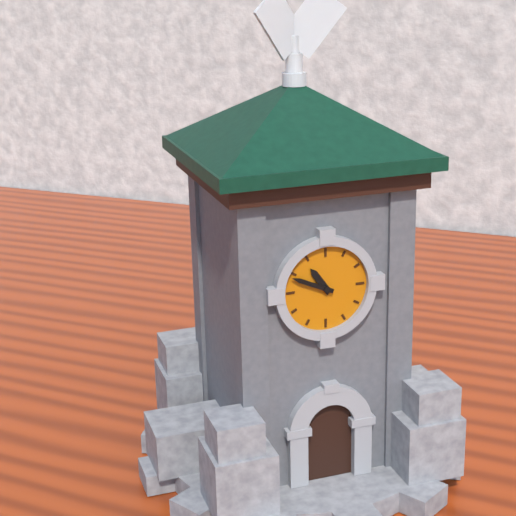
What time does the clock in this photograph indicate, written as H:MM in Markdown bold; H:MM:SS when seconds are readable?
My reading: **10:49**
